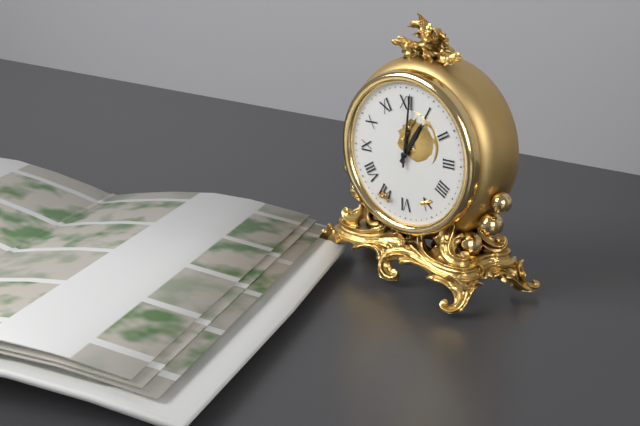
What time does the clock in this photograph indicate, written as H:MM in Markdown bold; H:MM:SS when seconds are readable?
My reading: **1:01**
